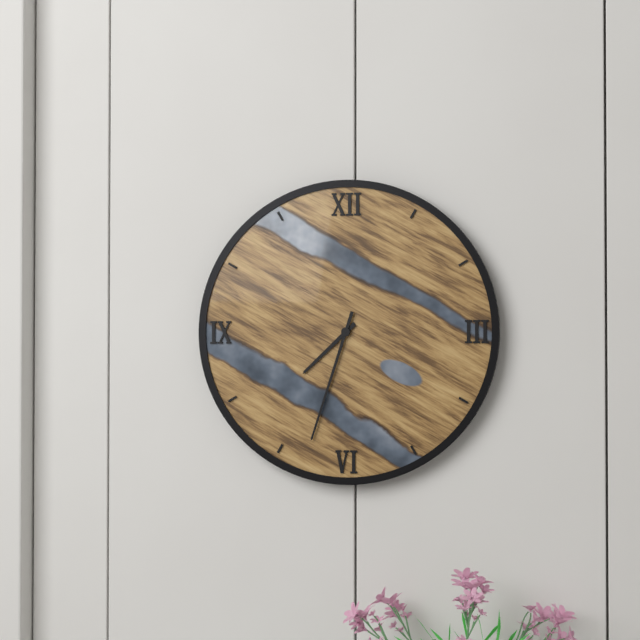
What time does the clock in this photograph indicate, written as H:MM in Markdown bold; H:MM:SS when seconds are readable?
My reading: **7:33**
